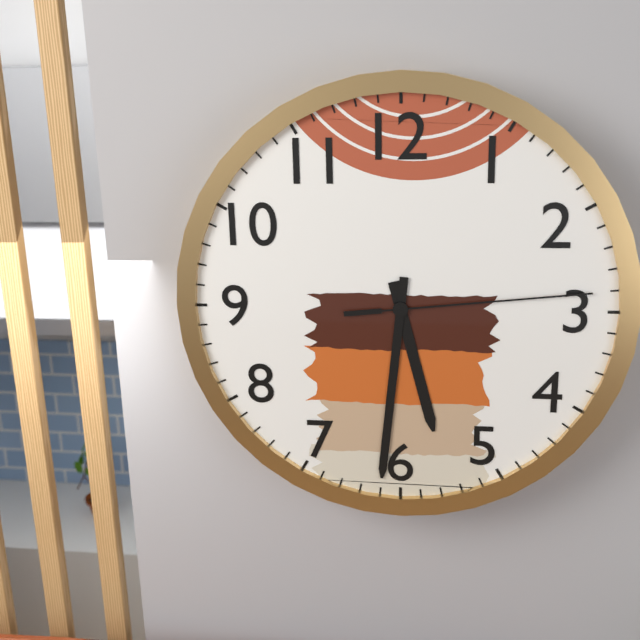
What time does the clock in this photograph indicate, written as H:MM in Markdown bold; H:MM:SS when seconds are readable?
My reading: **5:31:14**
